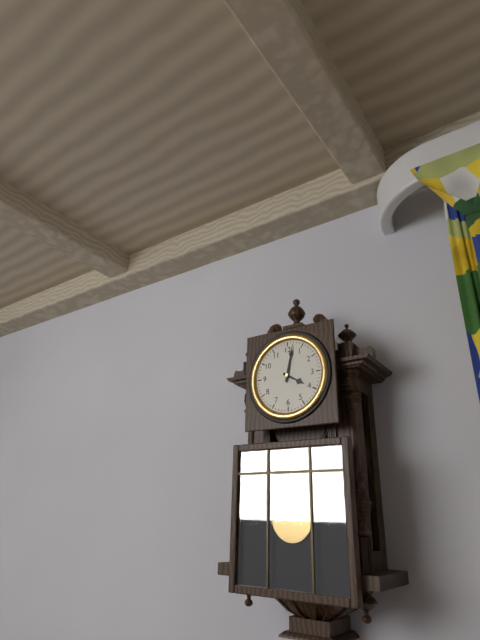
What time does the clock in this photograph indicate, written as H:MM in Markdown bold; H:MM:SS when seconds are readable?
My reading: **4:02**
